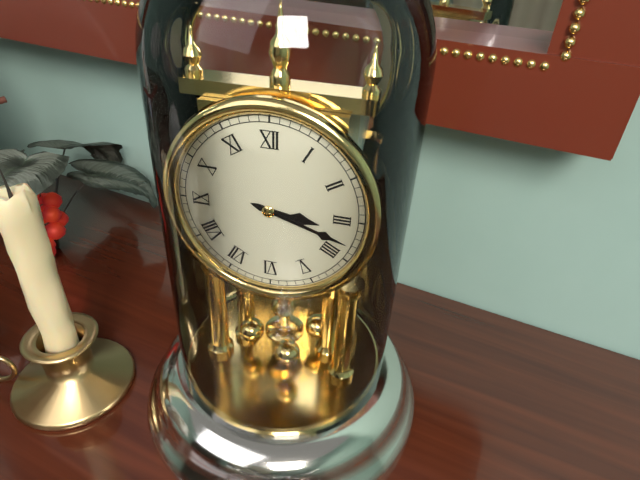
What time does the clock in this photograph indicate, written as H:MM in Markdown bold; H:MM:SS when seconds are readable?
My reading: **3:18**
